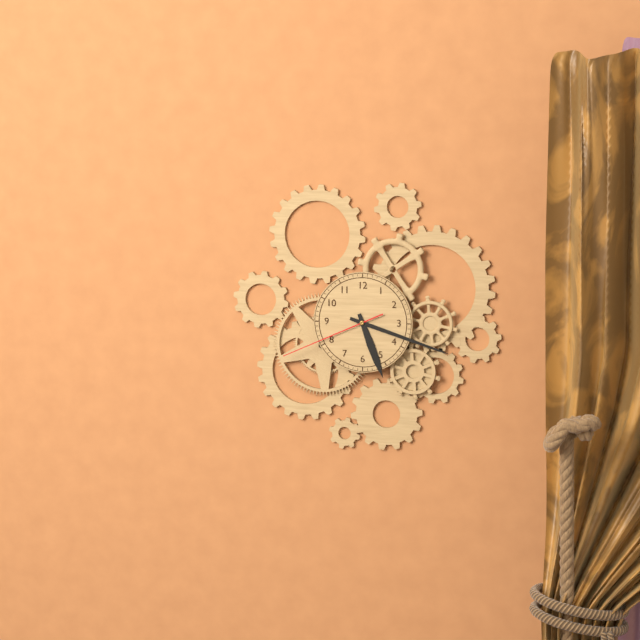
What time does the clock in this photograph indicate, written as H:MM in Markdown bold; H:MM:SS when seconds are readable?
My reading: **5:18:41**
